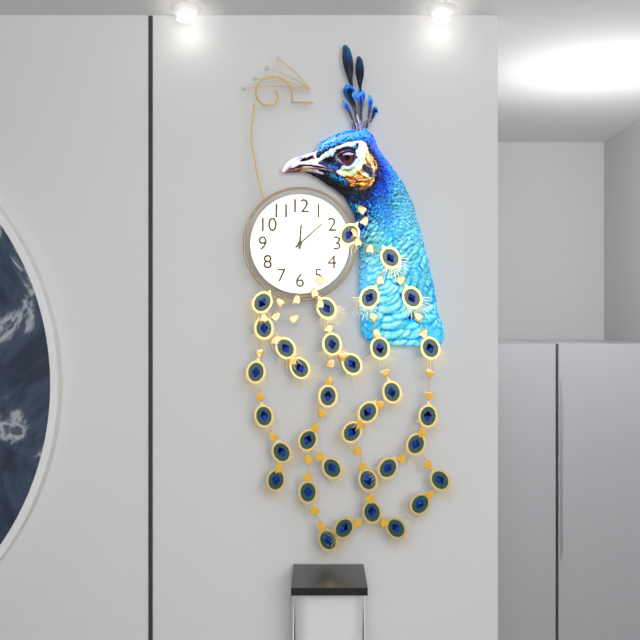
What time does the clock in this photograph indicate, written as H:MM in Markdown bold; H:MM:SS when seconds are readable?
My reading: **12:08**
